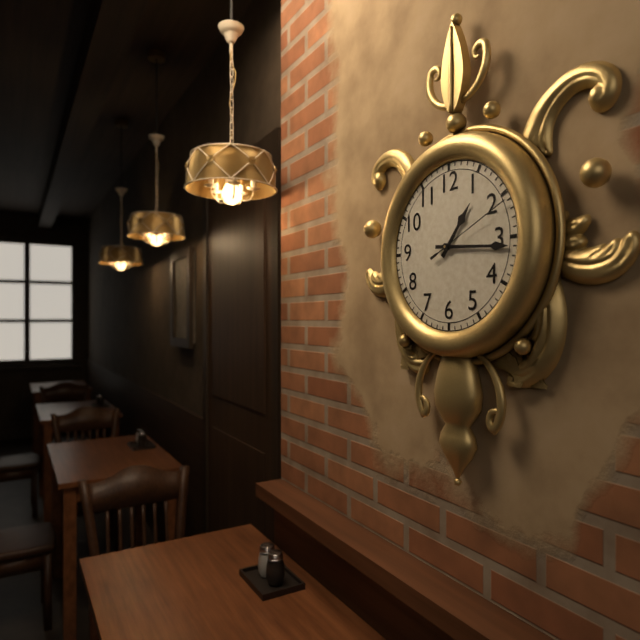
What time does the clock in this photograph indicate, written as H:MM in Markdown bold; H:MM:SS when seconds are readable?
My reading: **1:16:11**
